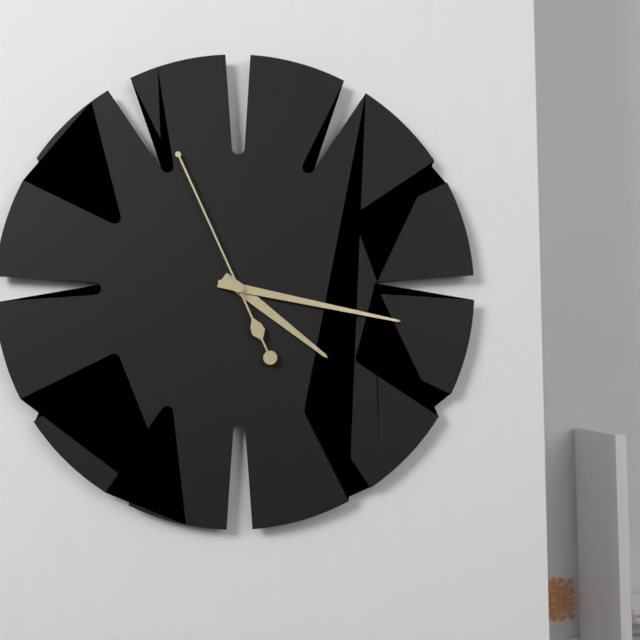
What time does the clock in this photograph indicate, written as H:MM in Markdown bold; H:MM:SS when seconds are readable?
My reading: **4:17:56**
